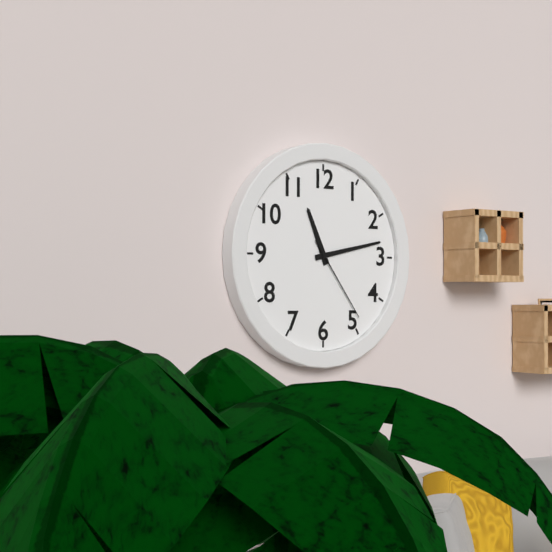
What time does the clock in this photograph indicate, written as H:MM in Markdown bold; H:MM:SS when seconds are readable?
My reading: **11:13:24**
